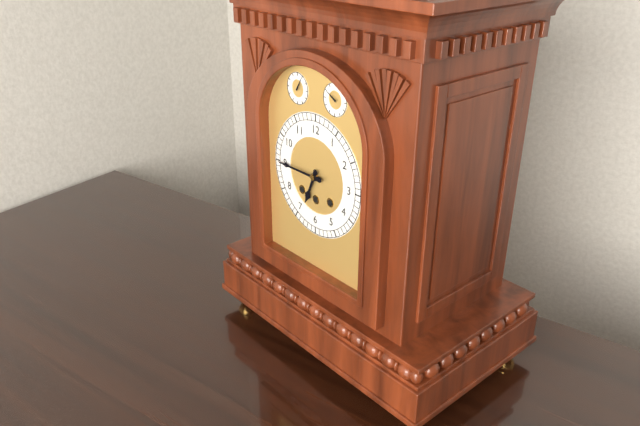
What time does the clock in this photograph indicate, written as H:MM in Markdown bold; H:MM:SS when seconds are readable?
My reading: **6:45**
